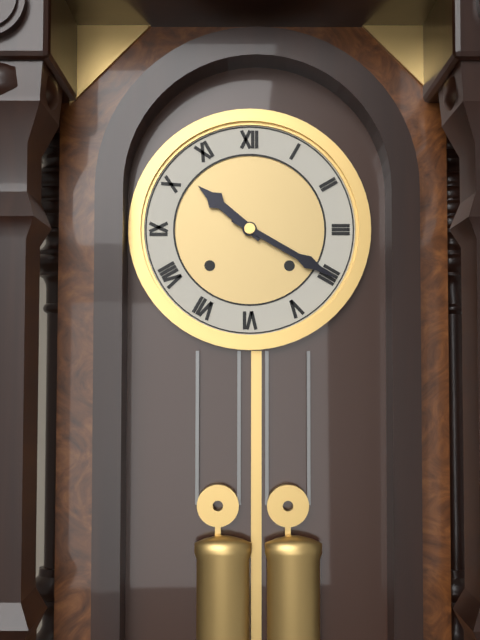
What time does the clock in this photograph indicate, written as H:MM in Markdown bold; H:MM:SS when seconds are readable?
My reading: **10:20**
